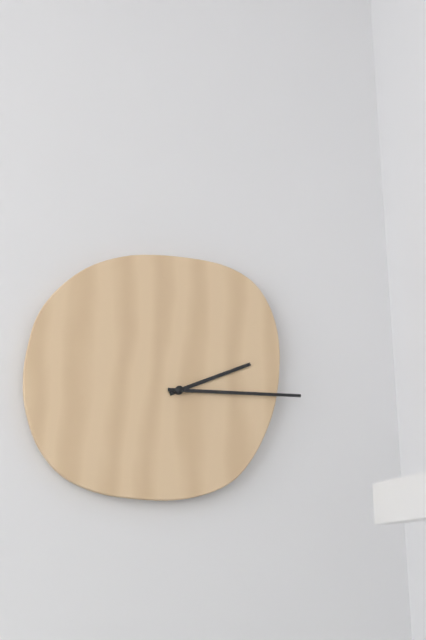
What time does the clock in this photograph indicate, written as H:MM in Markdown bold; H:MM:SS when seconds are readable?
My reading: **2:15**
